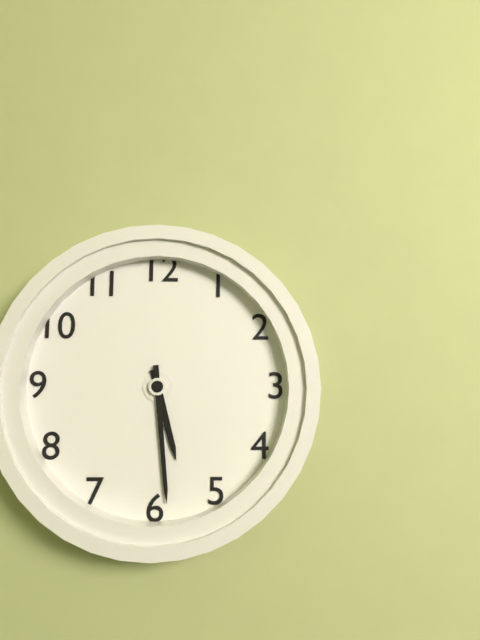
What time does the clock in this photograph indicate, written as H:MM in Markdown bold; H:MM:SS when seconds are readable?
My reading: **5:29**
